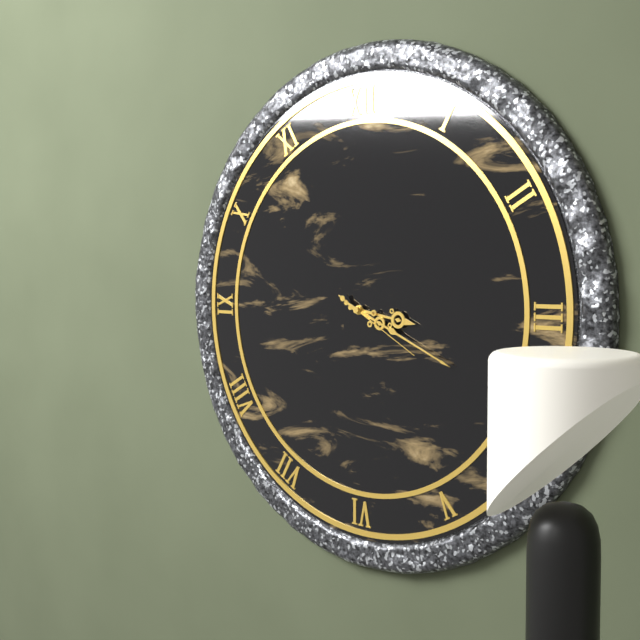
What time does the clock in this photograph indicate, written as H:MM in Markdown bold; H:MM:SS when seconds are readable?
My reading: **3:19:20**
